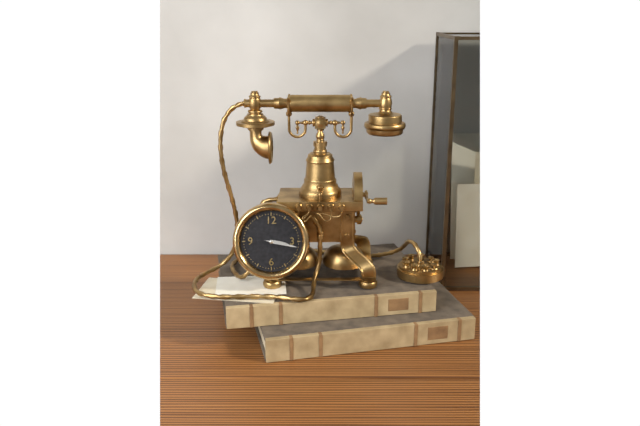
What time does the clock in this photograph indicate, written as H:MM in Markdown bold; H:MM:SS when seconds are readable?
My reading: **3:17**
